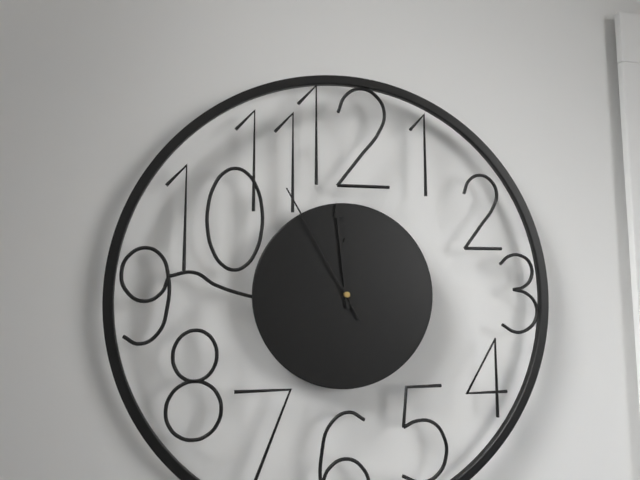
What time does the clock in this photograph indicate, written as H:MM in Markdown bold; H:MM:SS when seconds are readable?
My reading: **11:59:55**
